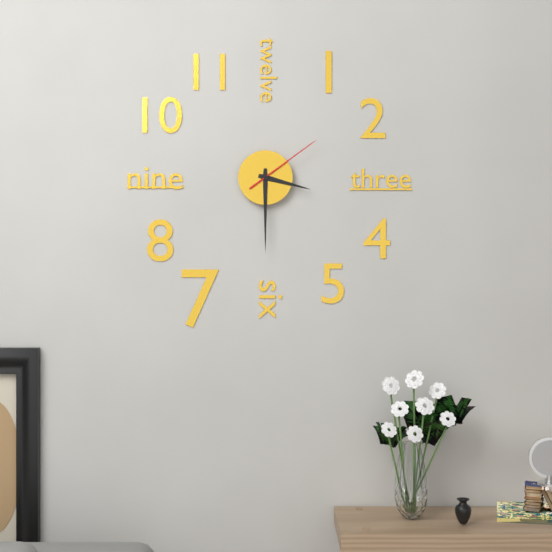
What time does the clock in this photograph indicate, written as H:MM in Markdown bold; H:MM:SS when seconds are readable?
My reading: **3:30:09**
